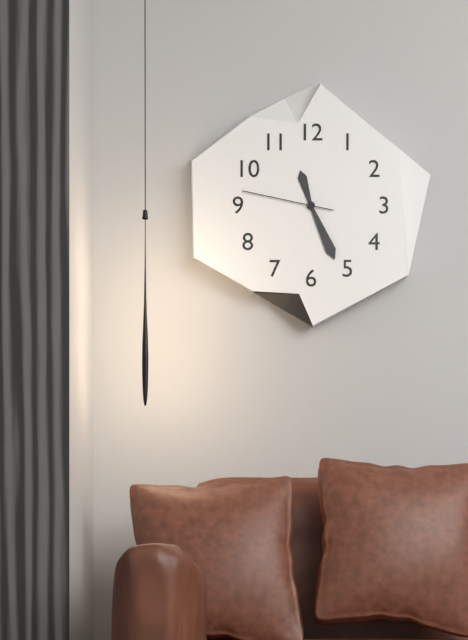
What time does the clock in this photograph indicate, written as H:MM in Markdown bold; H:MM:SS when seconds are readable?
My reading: **11:26:47**
